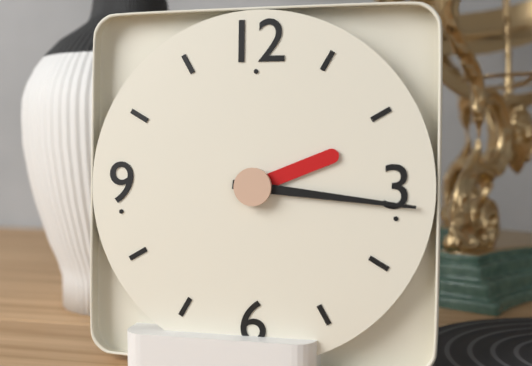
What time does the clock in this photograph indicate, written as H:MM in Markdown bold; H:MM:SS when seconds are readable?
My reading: **2:16**
